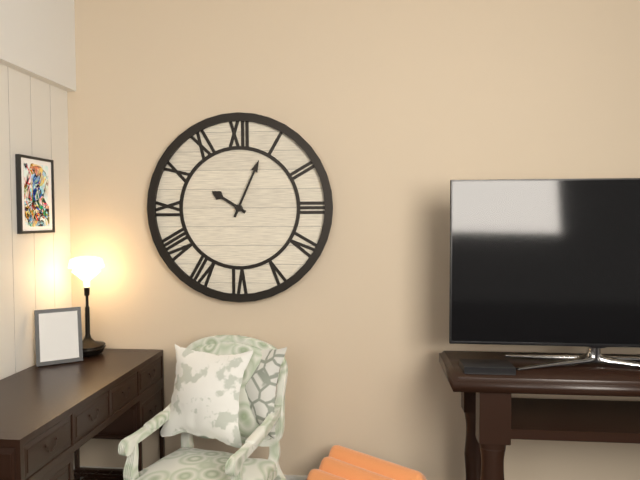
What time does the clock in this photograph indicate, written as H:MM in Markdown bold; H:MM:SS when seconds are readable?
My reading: **10:04**
